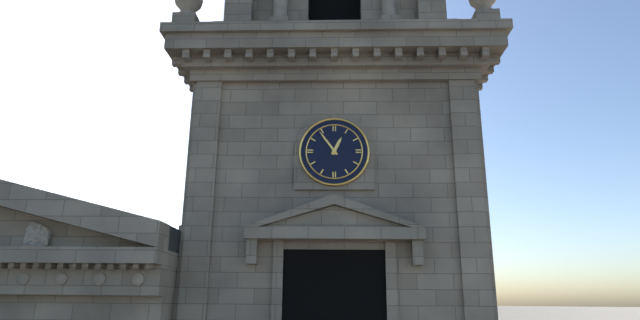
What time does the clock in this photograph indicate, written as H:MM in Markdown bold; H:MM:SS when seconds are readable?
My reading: **12:54**
